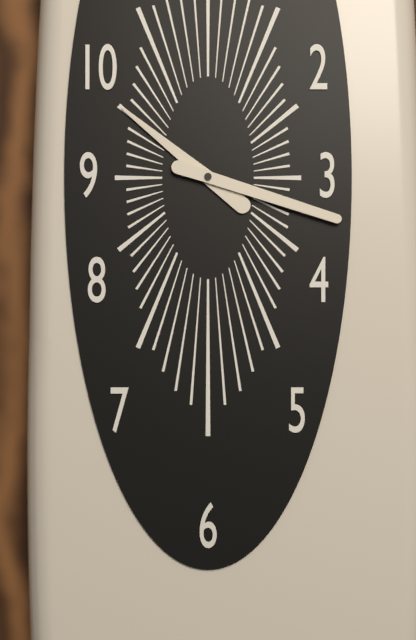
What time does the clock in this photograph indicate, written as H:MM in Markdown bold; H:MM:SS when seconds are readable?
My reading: **10:18**
